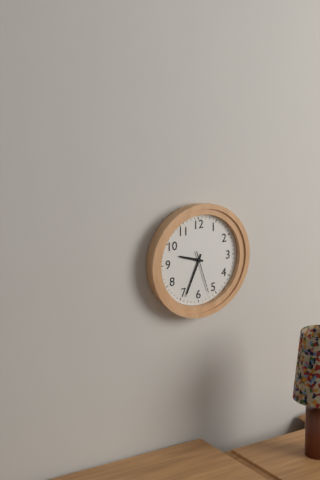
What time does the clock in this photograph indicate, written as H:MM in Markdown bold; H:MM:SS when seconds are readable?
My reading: **9:34**
